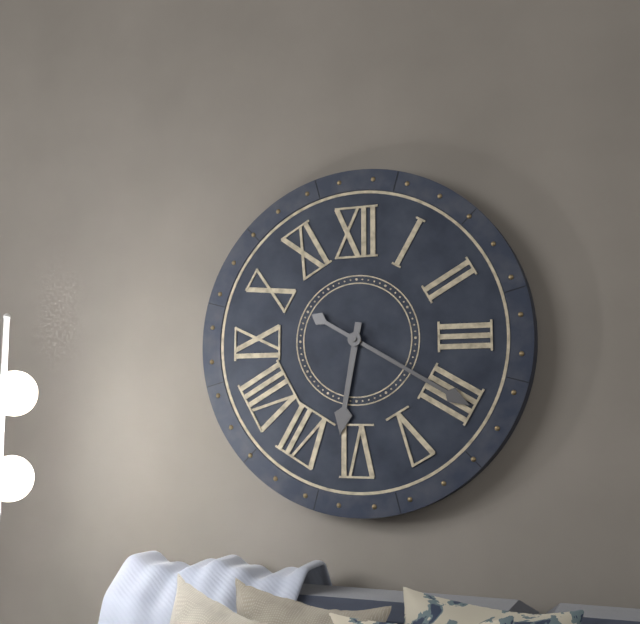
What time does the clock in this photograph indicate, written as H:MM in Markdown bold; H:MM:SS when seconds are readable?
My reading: **6:20**
